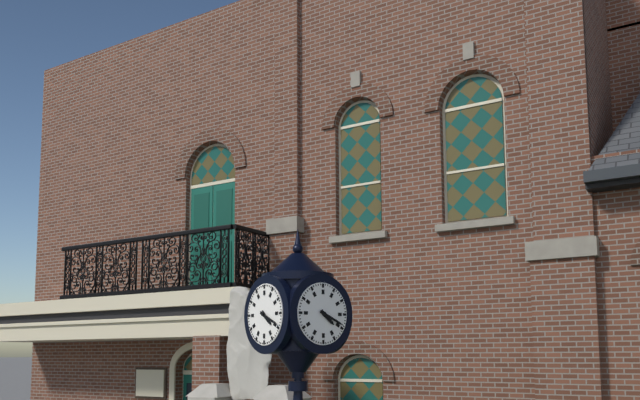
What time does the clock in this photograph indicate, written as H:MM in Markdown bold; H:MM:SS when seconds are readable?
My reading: **4:19**
